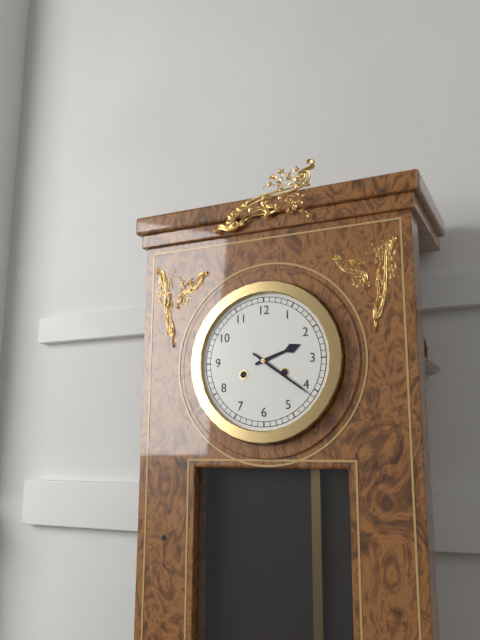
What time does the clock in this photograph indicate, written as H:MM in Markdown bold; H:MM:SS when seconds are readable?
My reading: **2:21**
